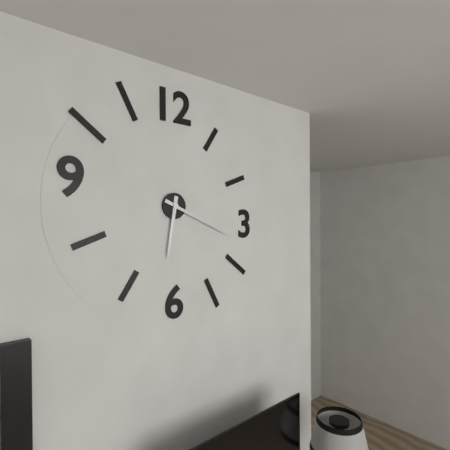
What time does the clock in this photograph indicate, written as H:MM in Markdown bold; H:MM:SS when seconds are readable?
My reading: **6:19**
